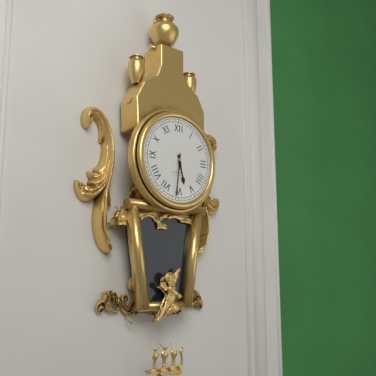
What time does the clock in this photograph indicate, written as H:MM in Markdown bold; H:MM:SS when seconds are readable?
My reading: **5:31**
